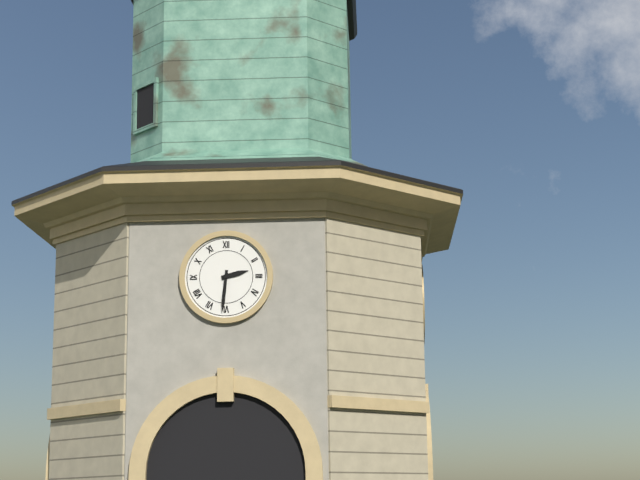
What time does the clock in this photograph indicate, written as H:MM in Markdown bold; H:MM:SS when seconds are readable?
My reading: **2:31**
